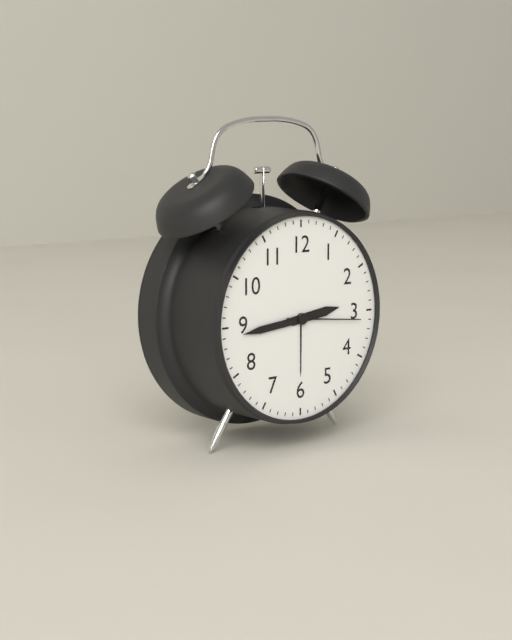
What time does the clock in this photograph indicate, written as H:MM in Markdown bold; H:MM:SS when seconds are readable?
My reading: **2:44:16**
